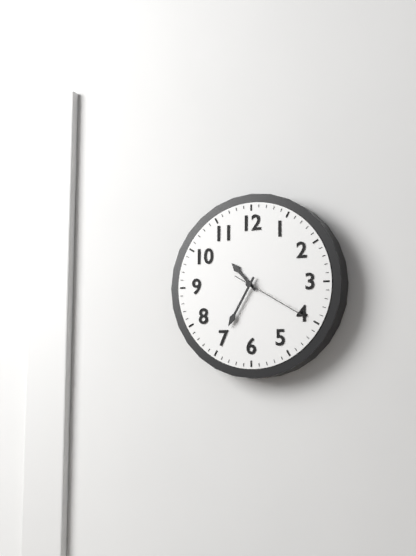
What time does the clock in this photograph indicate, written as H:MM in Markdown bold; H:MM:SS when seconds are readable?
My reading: **10:35:20**
